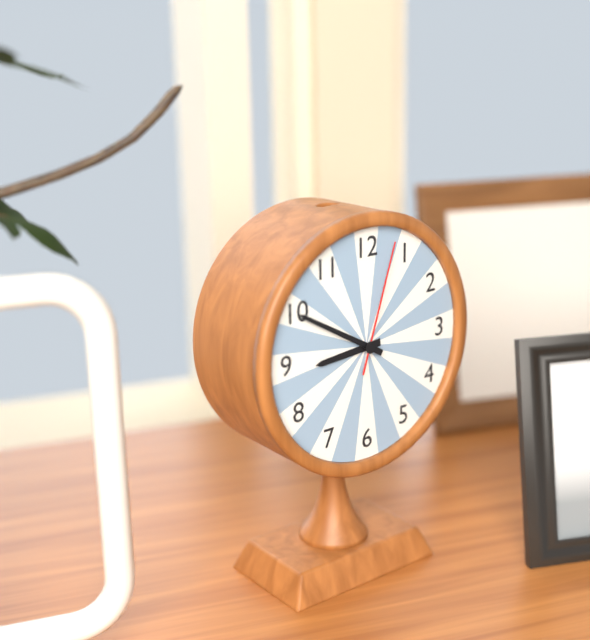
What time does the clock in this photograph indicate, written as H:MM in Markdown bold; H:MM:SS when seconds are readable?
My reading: **8:50:03**
